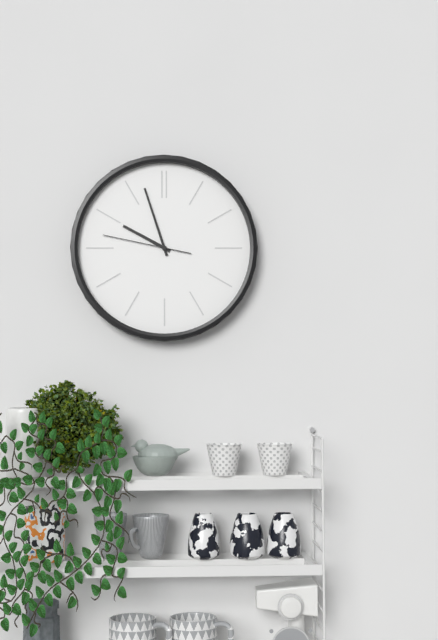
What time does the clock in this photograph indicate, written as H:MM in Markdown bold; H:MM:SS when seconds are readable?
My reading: **9:57:47**
